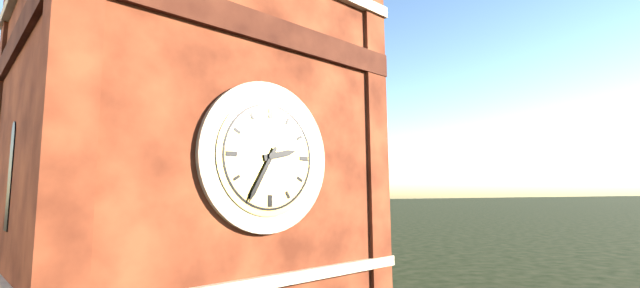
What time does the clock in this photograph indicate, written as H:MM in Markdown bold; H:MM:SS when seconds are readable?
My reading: **2:35**
